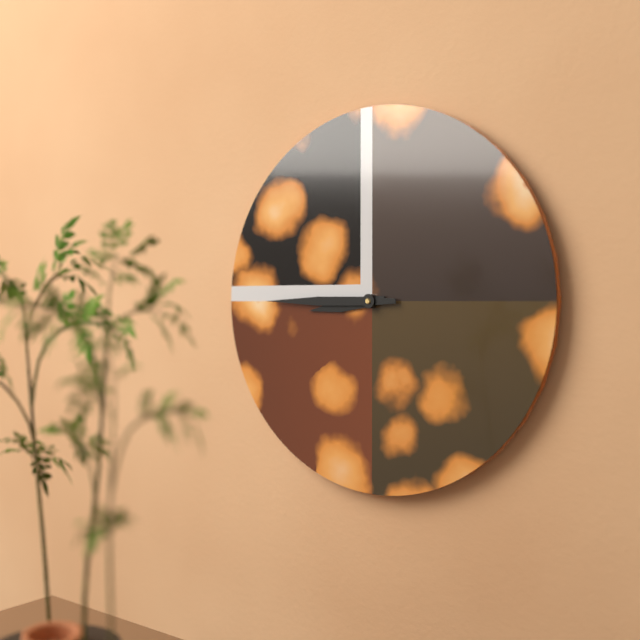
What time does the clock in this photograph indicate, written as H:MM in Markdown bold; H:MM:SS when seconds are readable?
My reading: **8:45**
